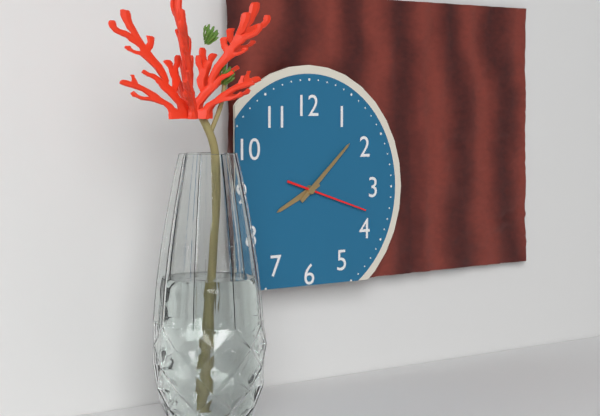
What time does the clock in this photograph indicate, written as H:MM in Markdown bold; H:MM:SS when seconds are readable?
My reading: **8:08:18**
